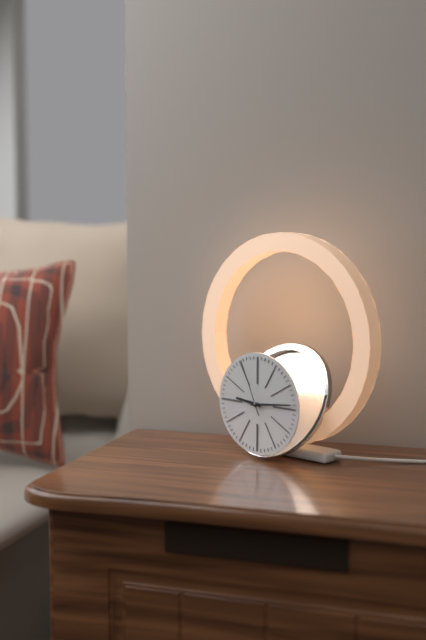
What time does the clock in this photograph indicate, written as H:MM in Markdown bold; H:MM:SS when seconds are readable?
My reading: **9:14:56**
